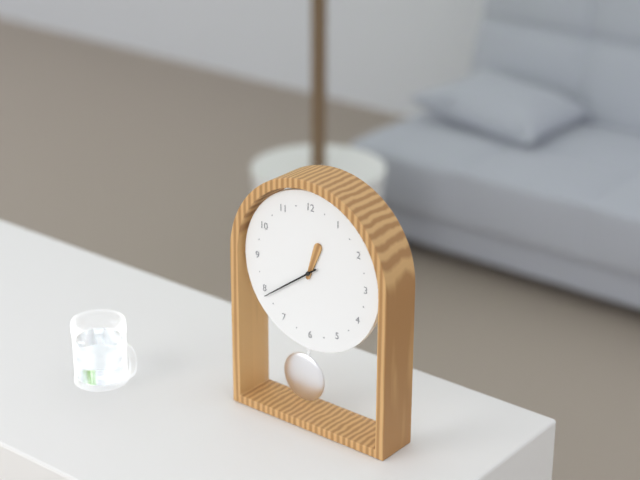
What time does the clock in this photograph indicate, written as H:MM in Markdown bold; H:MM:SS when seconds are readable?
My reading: **12:39**
